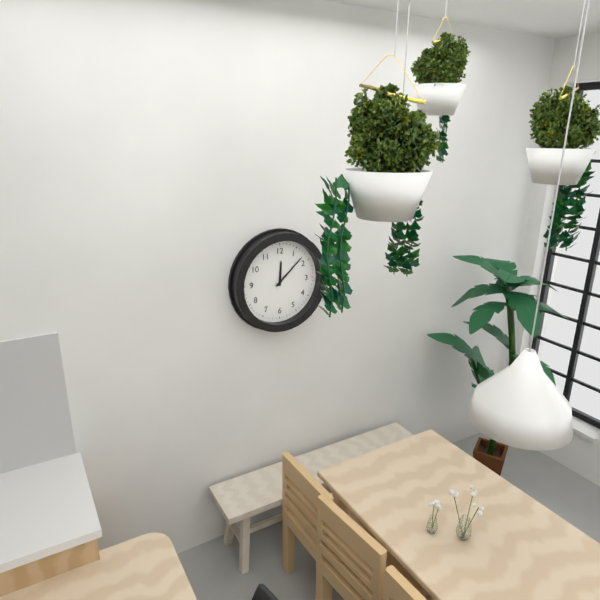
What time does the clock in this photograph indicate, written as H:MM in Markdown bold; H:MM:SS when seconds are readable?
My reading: **12:08**
